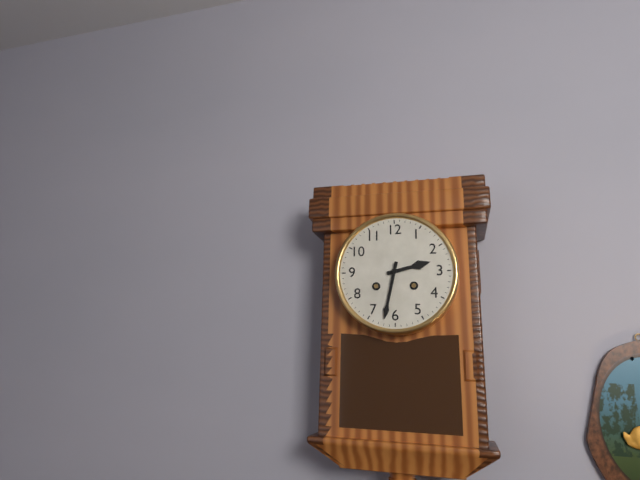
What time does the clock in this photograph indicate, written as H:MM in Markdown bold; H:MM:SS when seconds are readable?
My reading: **2:32**
